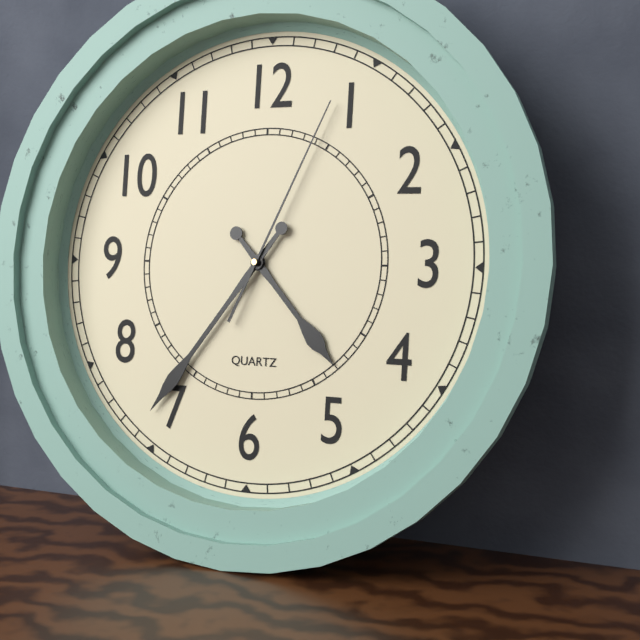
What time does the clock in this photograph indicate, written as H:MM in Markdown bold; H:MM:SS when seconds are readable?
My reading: **4:36:04**
